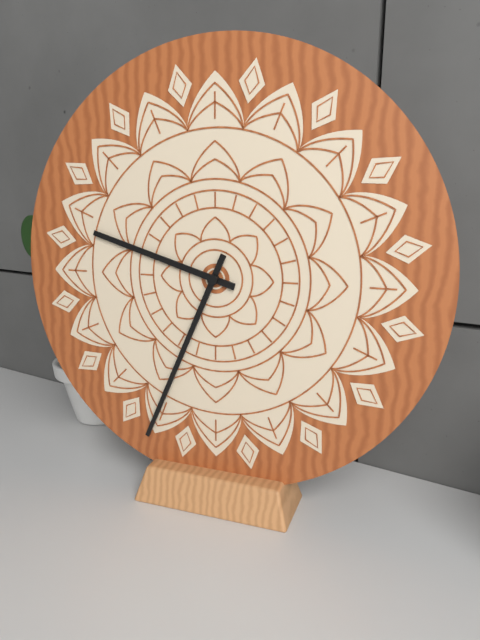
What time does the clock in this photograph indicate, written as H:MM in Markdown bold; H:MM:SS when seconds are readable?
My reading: **9:34**
